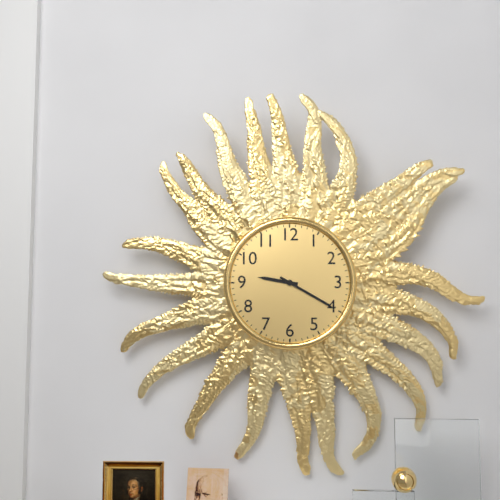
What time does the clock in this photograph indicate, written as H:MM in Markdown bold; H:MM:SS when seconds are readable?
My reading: **9:20**
